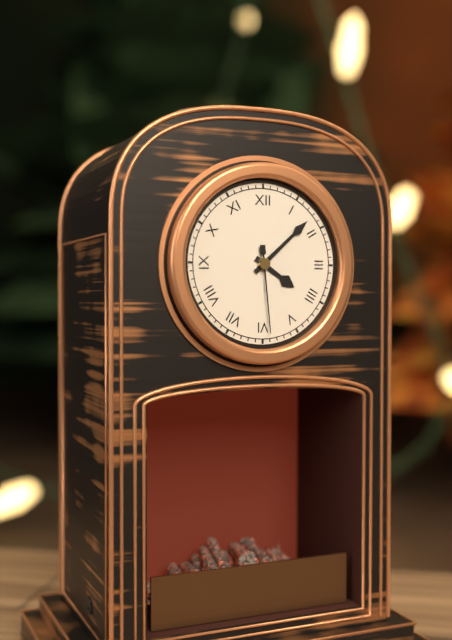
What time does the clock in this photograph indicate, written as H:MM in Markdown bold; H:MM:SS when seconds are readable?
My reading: **4:08:29**
